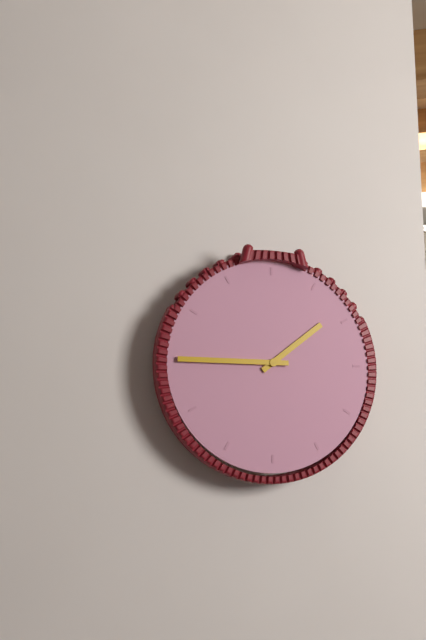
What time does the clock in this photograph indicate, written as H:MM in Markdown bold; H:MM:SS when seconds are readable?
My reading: **1:45**
